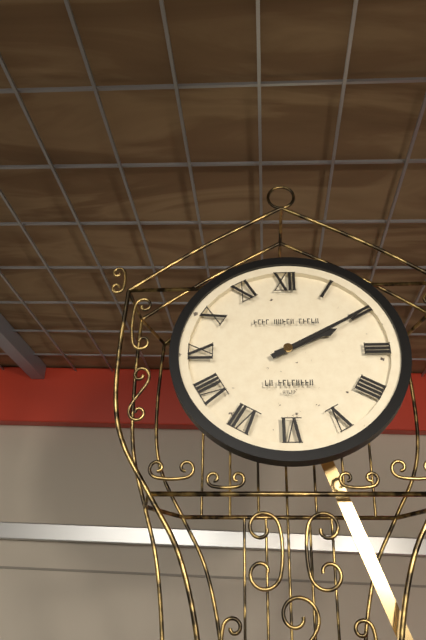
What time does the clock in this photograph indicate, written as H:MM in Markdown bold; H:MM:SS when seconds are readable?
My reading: **2:10**
